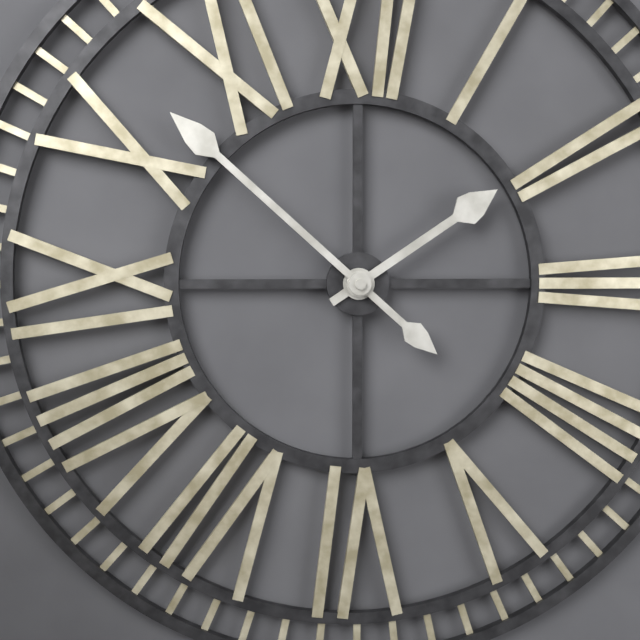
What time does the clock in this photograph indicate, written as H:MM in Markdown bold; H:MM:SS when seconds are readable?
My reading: **1:52**
